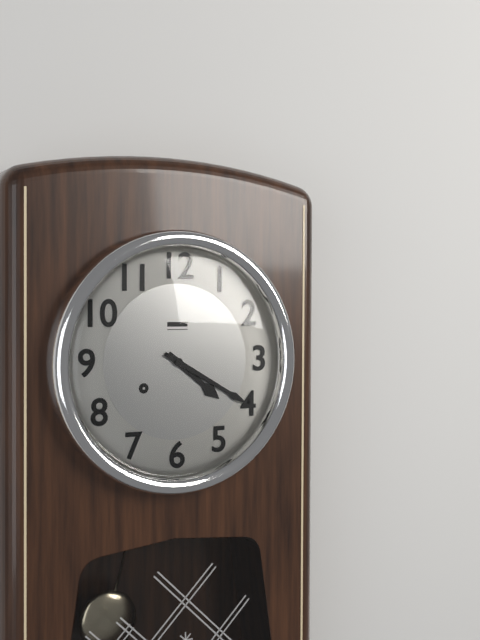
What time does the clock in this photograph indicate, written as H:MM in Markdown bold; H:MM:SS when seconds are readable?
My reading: **4:20**
